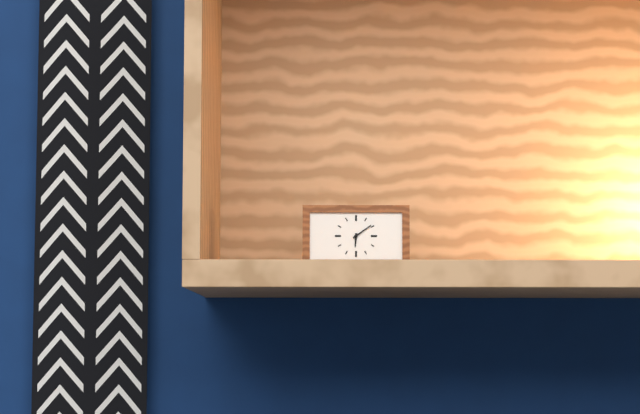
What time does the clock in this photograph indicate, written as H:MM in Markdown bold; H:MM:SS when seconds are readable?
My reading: **6:09**
